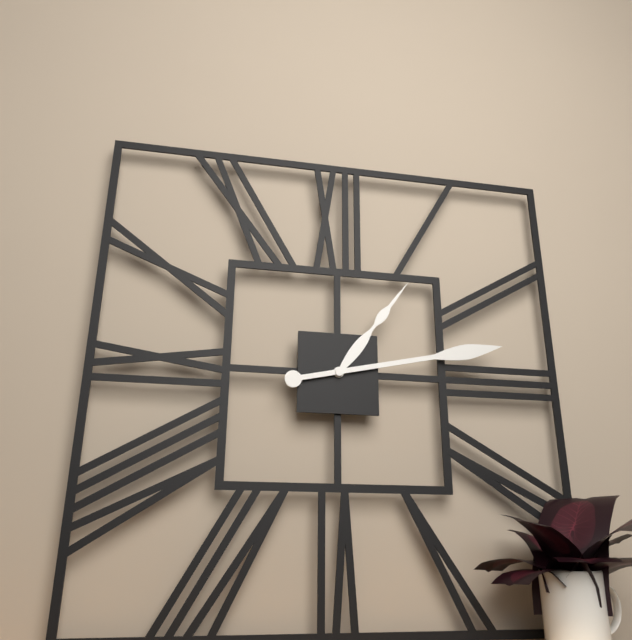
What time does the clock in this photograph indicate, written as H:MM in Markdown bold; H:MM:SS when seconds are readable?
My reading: **1:13**
